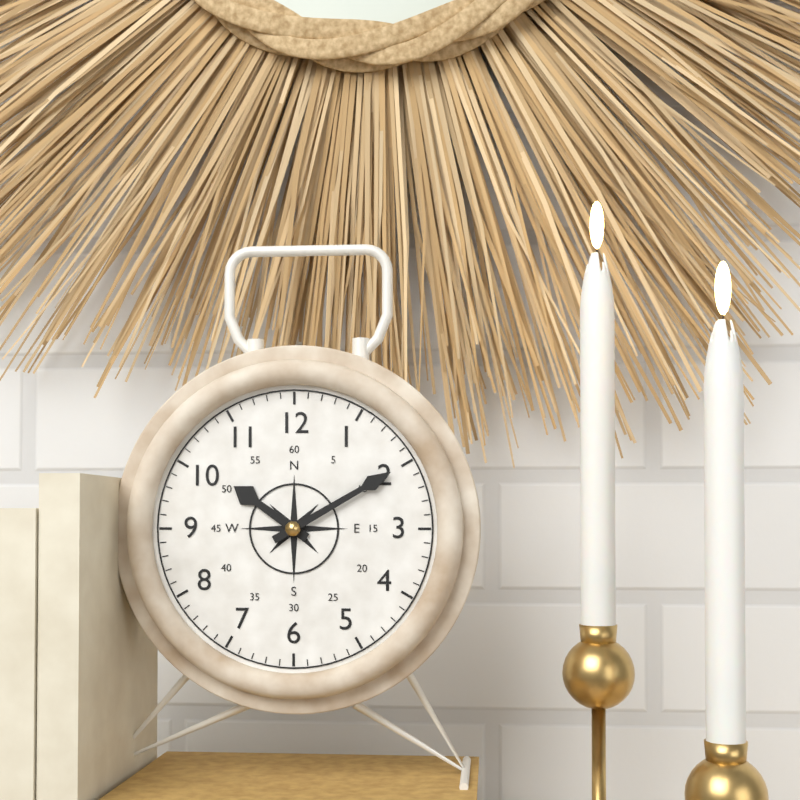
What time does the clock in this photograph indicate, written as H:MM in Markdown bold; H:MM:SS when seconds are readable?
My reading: **10:10**
